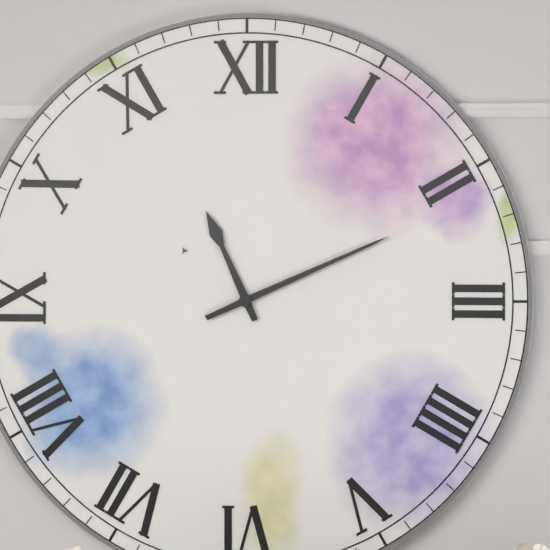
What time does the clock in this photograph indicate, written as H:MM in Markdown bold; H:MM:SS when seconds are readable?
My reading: **11:11**
